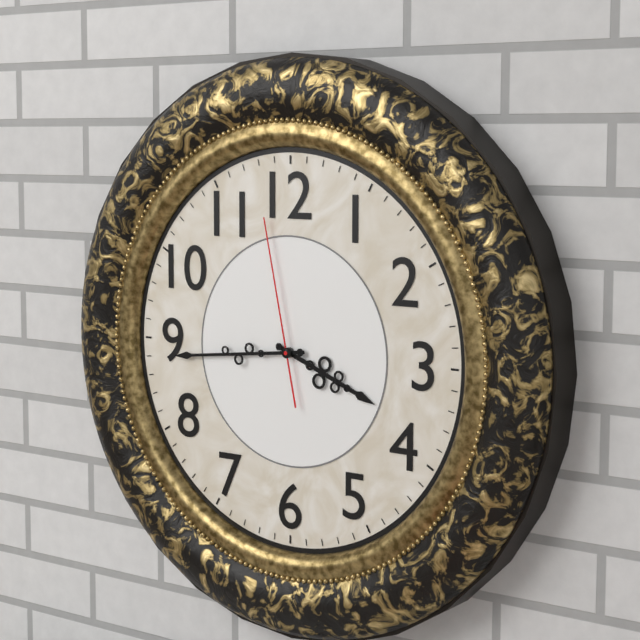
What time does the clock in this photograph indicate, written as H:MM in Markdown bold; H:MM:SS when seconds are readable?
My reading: **3:44:58**
